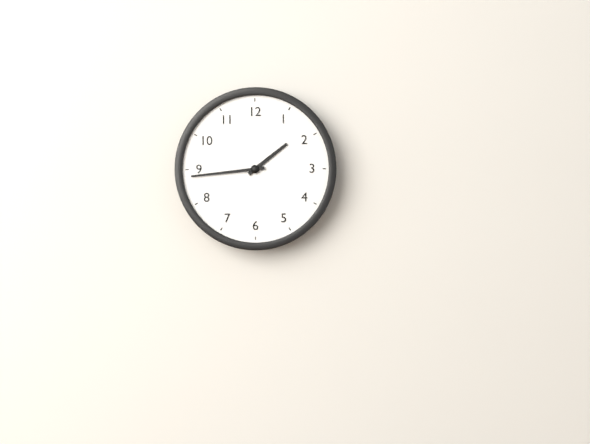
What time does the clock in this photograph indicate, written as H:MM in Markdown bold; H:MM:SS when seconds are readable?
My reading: **1:44**
